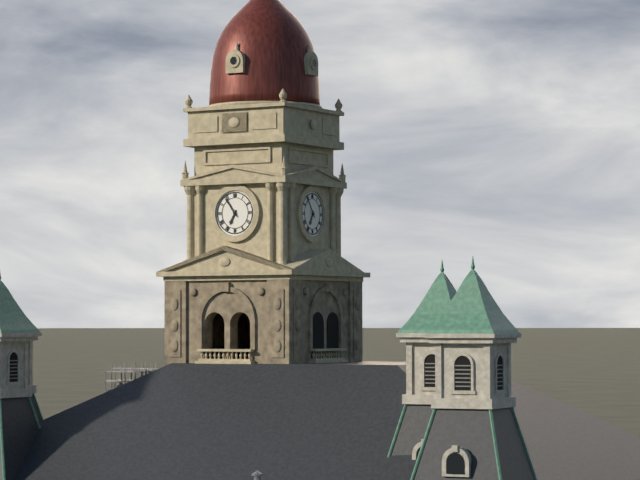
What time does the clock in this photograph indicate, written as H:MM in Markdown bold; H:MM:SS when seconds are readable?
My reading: **6:54**
